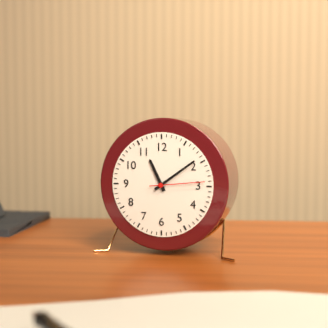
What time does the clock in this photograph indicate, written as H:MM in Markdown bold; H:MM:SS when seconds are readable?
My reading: **11:09:14**
